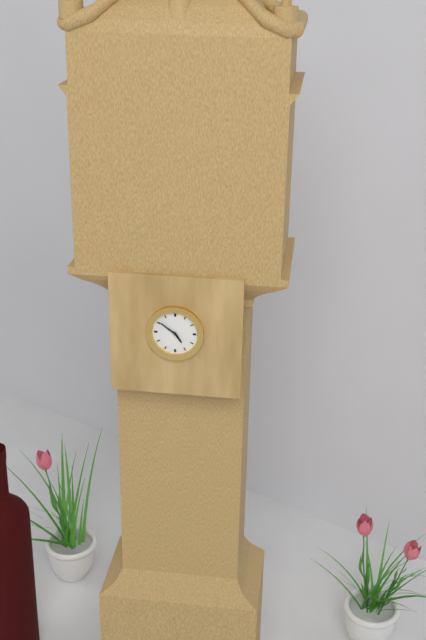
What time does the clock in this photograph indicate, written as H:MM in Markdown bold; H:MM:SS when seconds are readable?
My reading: **4:51**
